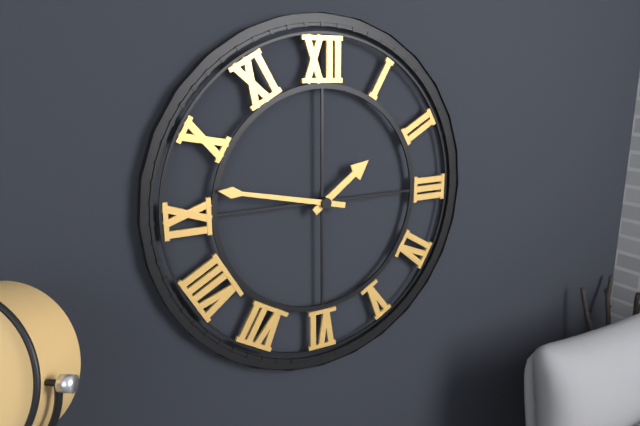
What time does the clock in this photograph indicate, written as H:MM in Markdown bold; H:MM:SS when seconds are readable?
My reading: **1:47**
